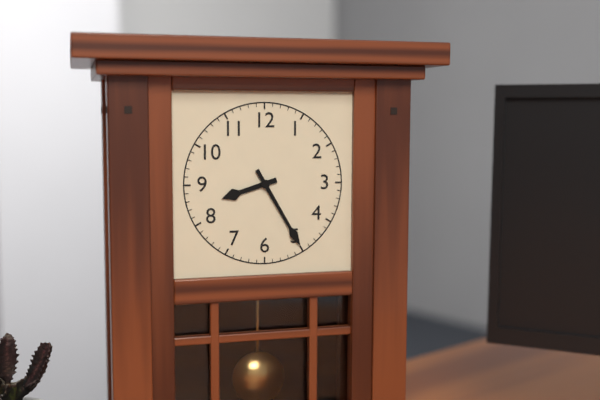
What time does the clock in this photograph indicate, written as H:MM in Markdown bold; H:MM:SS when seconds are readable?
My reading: **8:25**
